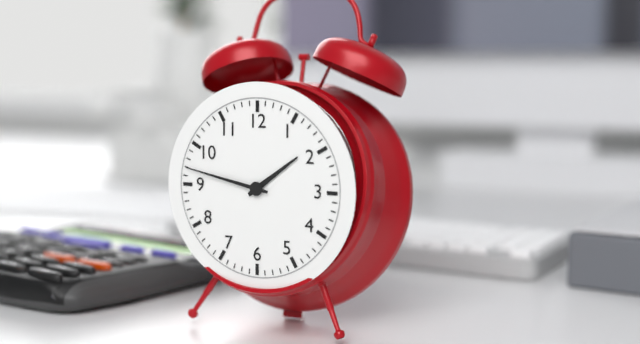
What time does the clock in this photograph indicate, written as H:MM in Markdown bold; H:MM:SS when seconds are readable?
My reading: **1:47**
